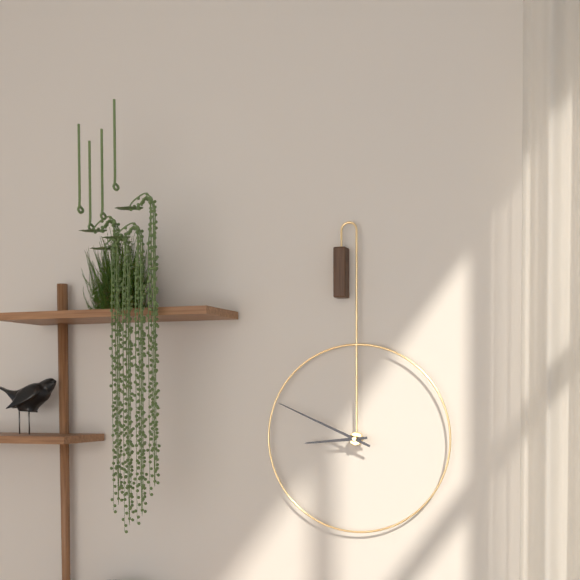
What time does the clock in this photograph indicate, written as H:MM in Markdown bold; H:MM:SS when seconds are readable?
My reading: **8:49**
